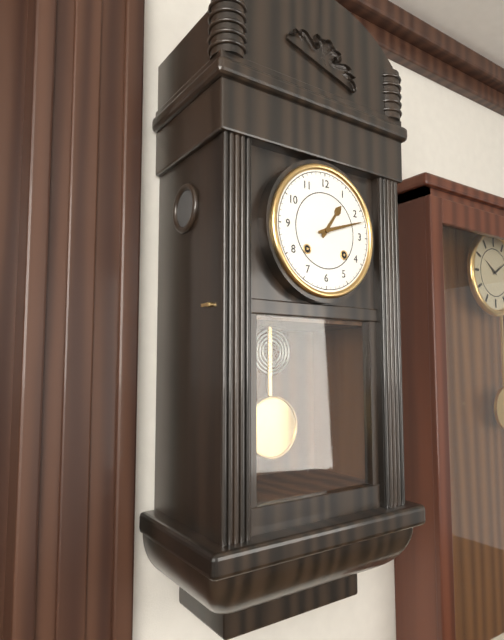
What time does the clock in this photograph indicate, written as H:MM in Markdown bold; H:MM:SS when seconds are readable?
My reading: **1:12**
